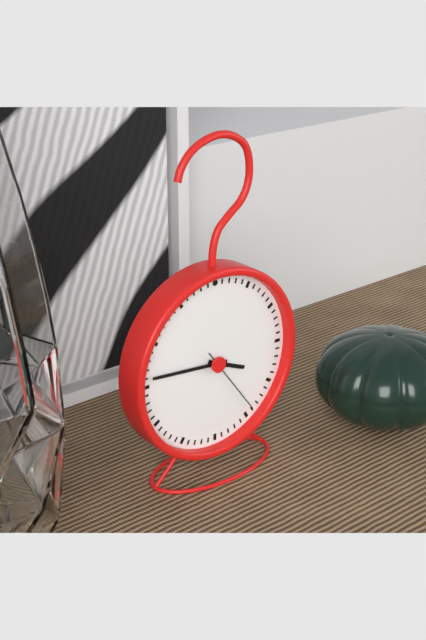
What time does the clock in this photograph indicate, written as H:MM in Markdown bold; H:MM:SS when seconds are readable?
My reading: **3:46:24**
